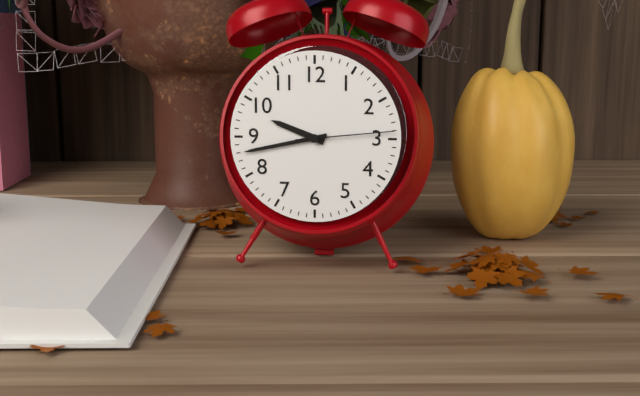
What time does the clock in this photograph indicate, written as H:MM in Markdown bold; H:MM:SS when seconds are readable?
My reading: **9:43:14**
